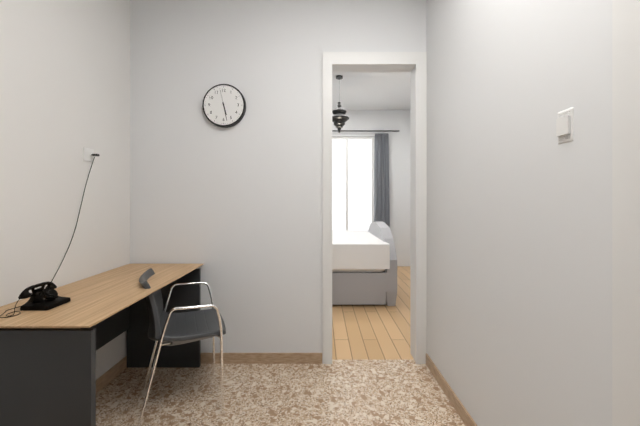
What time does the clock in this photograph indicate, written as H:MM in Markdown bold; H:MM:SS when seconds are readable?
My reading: **5:28**
